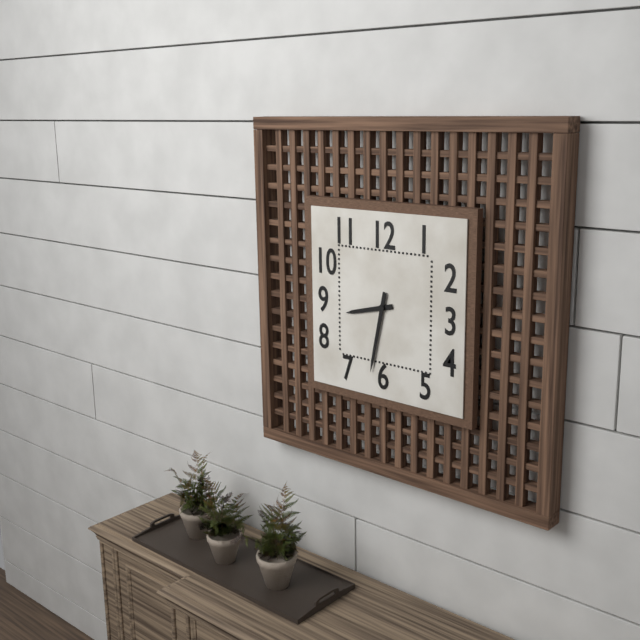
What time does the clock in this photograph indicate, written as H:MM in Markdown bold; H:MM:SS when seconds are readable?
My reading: **8:32**
